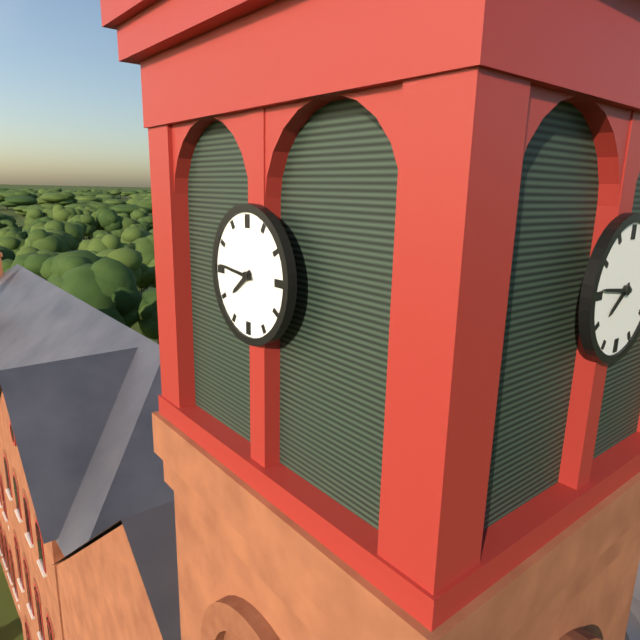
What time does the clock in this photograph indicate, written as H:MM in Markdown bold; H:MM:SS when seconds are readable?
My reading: **7:46**
